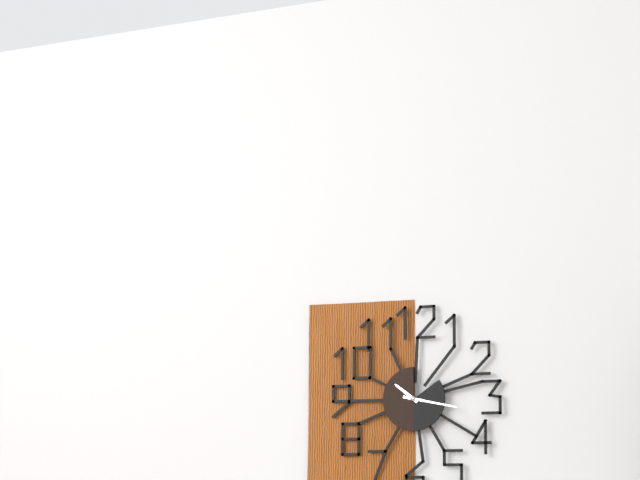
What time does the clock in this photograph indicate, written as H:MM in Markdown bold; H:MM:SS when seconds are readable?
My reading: **10:17**
